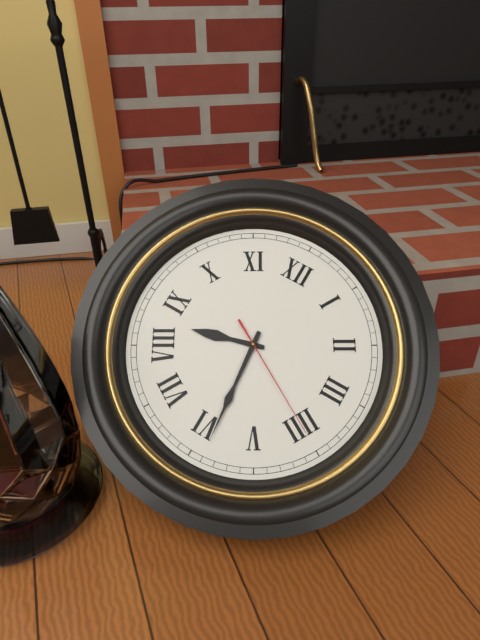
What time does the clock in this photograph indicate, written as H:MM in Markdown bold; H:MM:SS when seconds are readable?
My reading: **8:29:20**
